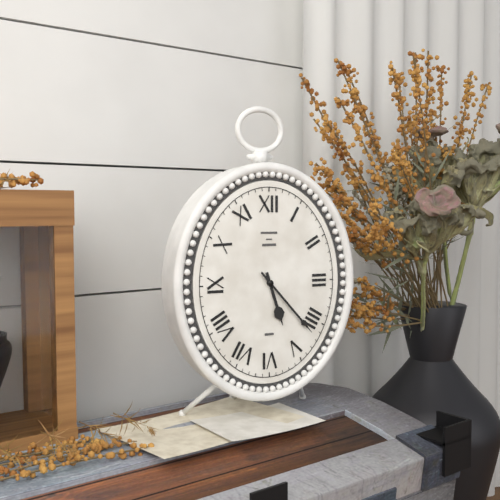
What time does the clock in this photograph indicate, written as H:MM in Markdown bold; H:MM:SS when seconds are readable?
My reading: **5:23**
